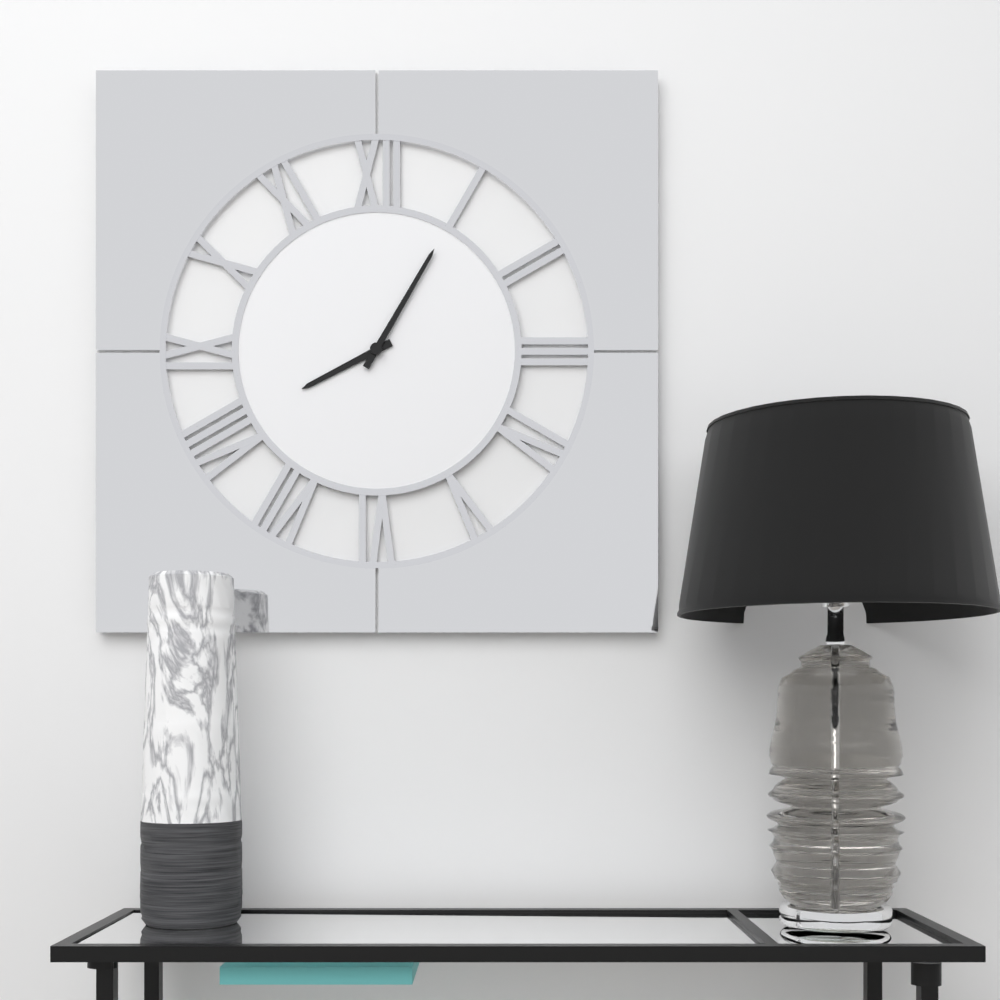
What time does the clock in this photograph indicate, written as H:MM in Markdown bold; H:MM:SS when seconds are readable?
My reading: **8:05**
